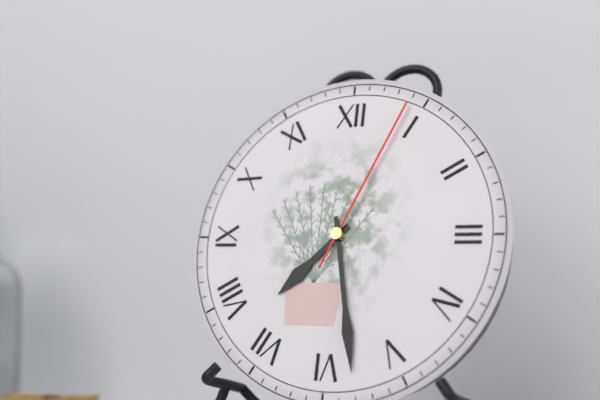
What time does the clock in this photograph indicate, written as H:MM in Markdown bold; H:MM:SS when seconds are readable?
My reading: **7:28:04**
